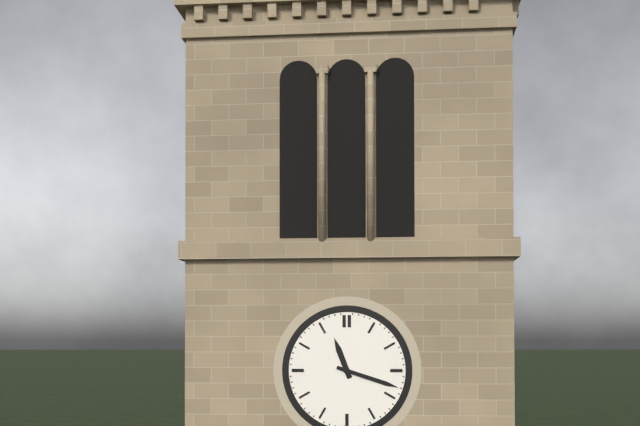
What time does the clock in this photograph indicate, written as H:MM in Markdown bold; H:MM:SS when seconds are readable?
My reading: **11:18**
